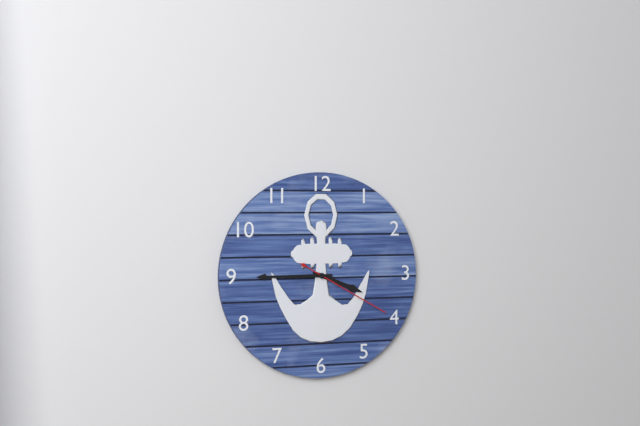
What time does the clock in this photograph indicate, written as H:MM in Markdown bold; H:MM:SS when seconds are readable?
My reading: **3:45:20**
